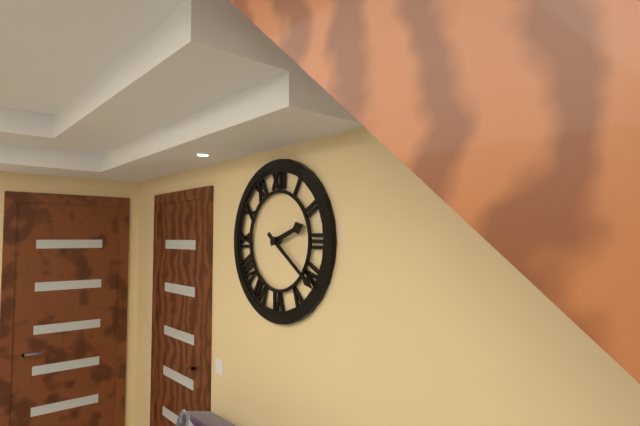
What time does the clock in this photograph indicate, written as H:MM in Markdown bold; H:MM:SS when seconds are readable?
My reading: **2:21**
